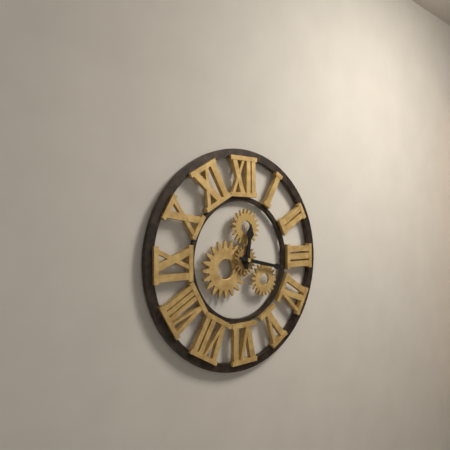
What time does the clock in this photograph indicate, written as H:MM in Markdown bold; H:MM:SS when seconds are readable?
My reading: **12:17**
